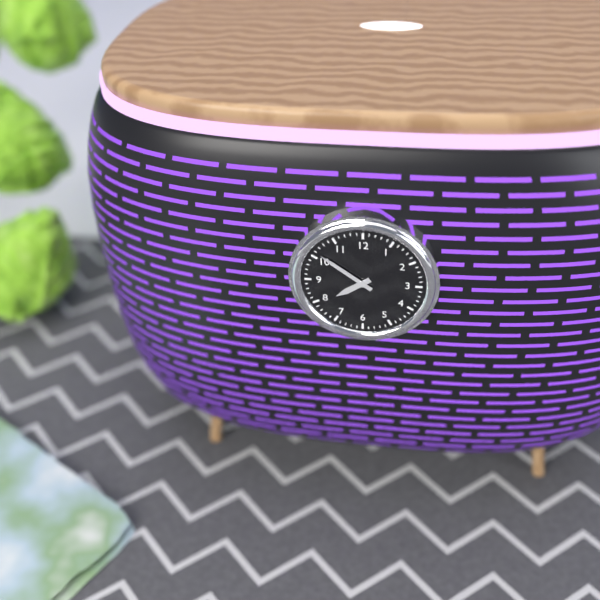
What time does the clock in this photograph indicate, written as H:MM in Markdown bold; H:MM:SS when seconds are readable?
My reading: **7:51**
